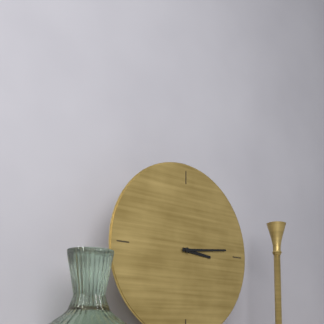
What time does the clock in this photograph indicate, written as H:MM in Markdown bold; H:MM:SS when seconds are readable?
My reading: **3:14**
